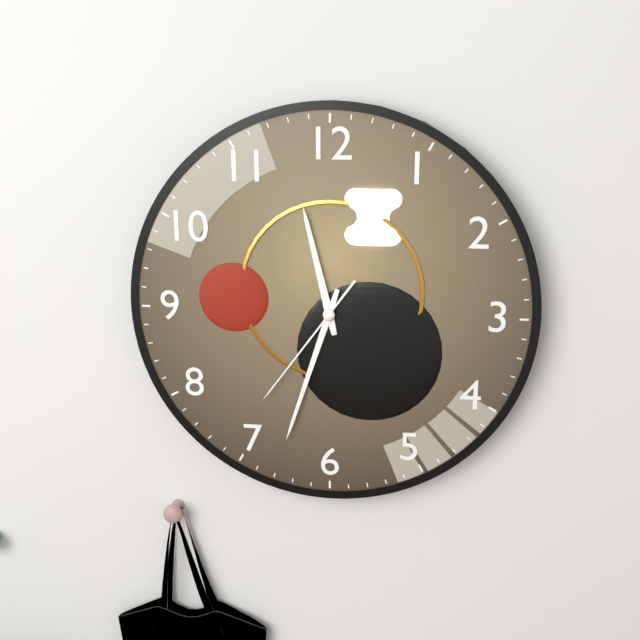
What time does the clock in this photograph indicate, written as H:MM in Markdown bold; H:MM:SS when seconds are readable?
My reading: **11:33:36**
